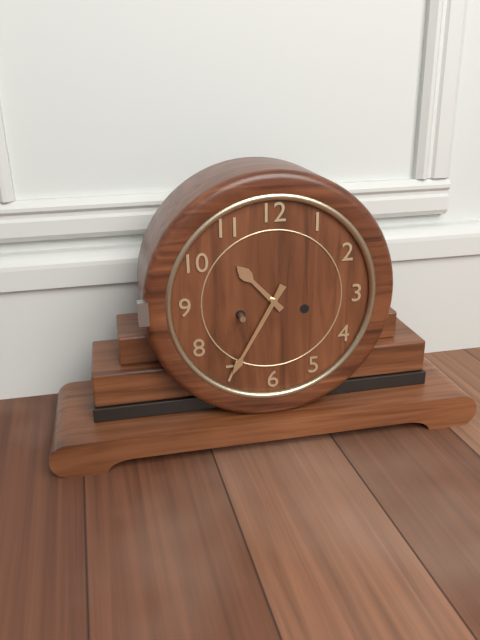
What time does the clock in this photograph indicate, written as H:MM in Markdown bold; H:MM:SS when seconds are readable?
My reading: **10:35**
